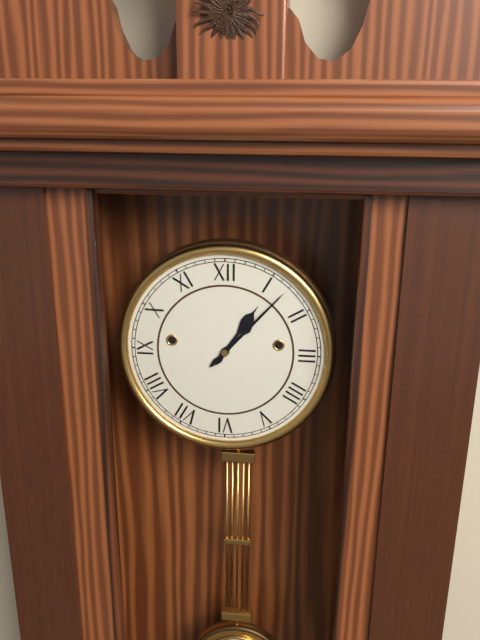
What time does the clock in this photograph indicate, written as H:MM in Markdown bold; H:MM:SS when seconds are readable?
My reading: **1:07**
